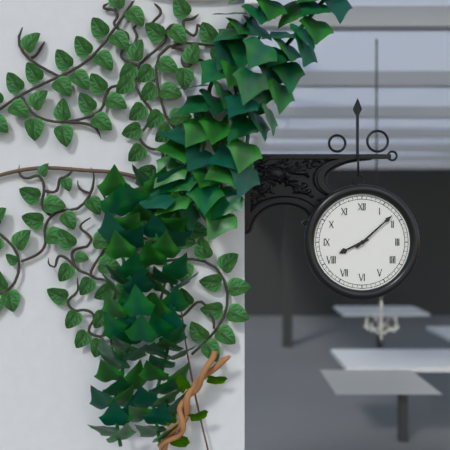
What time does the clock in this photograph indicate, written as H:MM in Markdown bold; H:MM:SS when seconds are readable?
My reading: **8:08**
